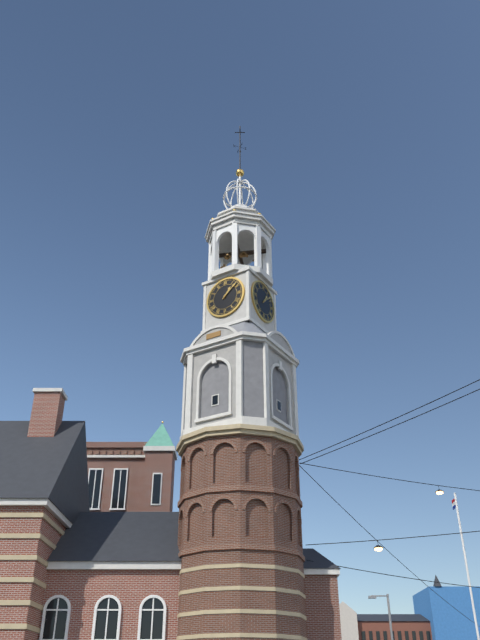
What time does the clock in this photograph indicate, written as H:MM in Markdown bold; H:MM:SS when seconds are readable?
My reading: **1:08**
